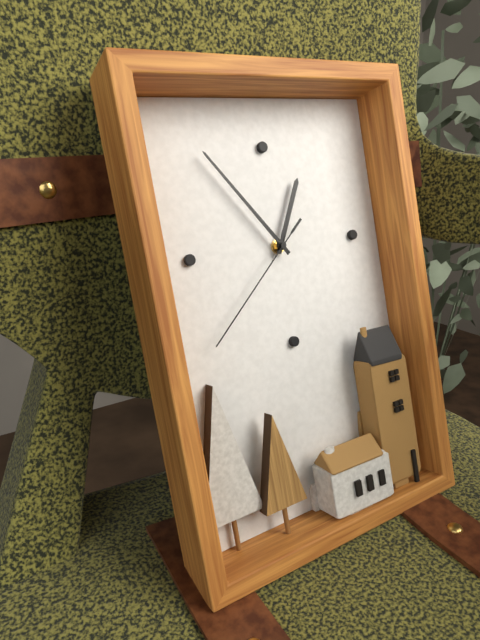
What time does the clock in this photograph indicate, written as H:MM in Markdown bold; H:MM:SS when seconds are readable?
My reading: **12:54:38**
